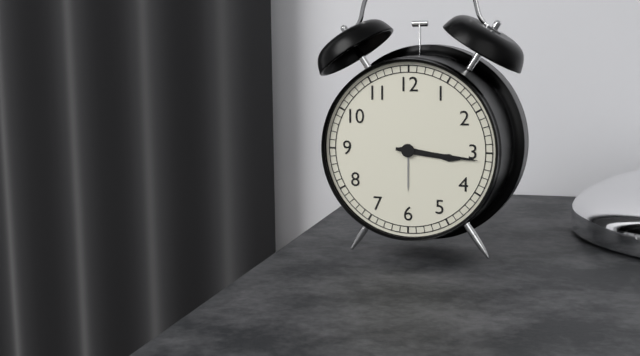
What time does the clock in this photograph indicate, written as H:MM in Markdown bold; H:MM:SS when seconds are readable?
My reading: **3:16**
